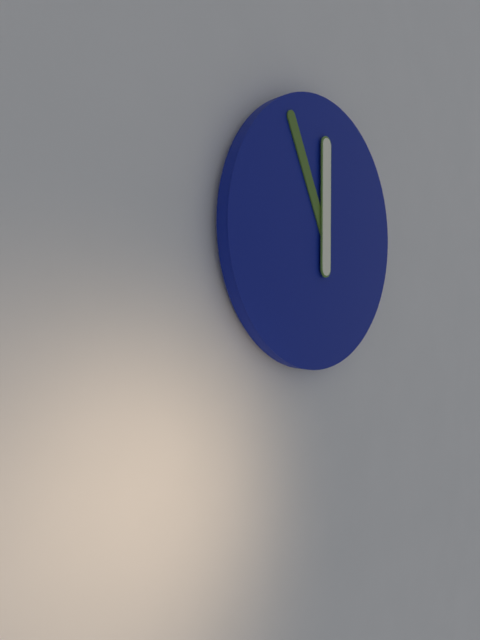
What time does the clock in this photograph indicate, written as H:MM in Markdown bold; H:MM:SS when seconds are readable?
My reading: **11:55**
